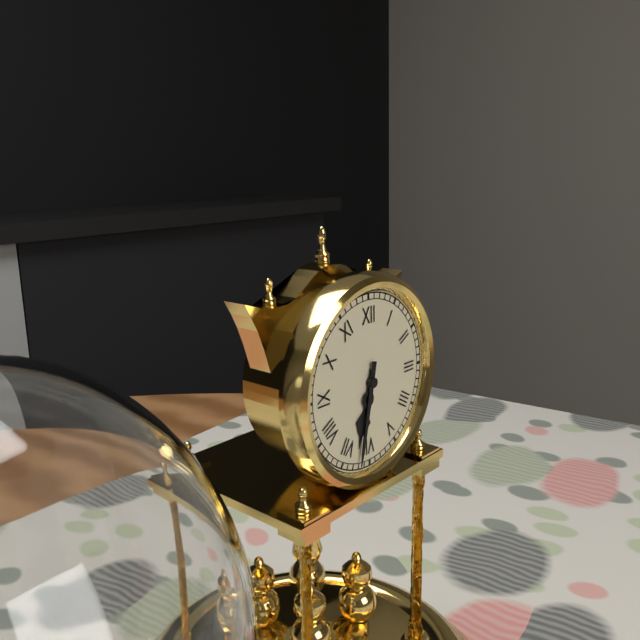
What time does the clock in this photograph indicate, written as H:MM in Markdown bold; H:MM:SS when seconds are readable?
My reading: **6:32**
